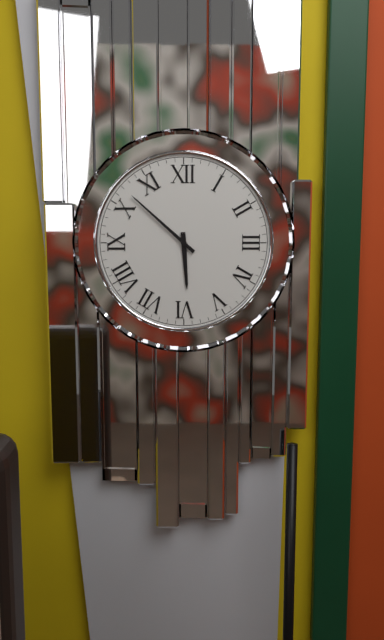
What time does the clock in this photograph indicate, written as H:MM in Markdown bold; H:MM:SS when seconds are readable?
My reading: **5:52**
